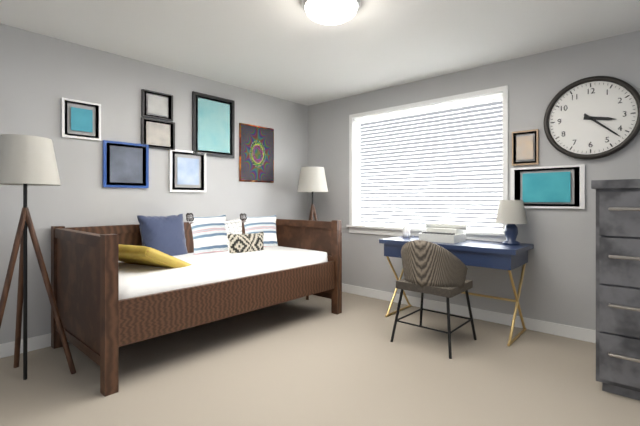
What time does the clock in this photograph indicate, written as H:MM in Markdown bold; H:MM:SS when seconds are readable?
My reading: **3:22**
